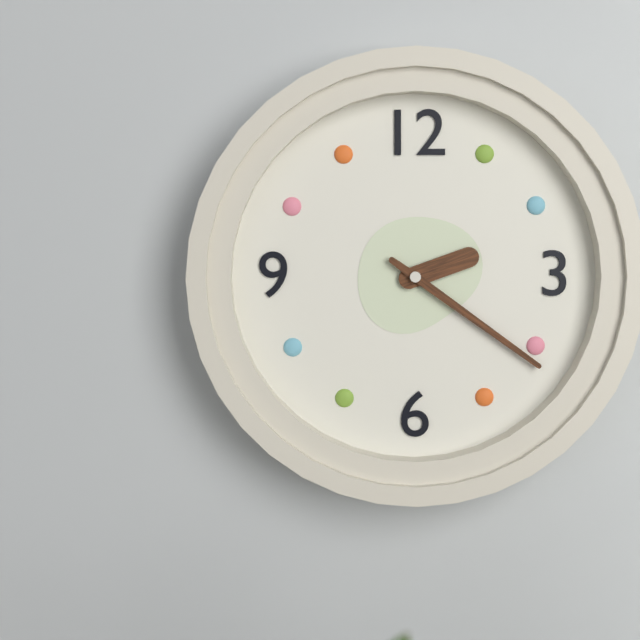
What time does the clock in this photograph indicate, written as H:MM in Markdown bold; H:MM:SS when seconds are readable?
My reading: **2:21**
